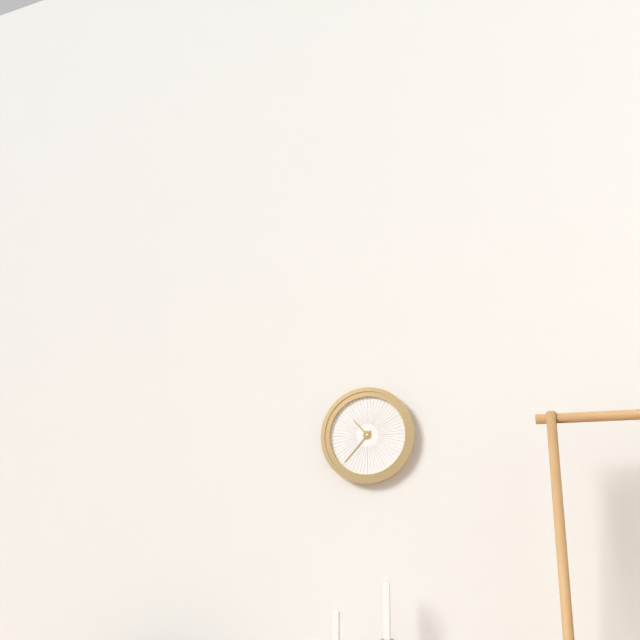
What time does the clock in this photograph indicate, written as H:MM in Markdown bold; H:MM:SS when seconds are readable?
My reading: **10:37**
